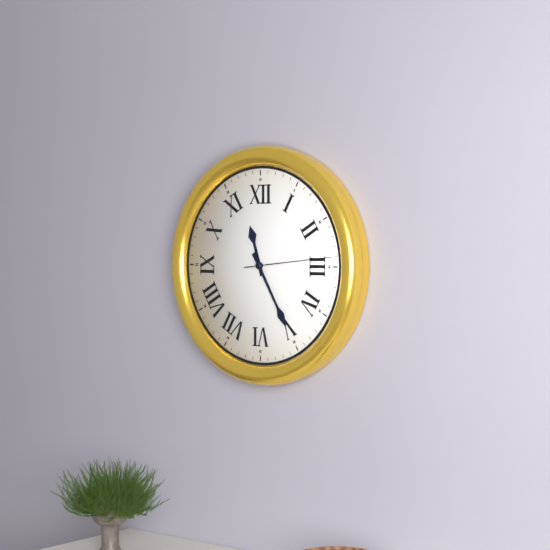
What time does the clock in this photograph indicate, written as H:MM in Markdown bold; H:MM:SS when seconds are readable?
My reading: **11:25:14**
